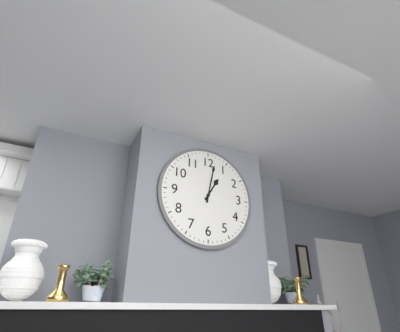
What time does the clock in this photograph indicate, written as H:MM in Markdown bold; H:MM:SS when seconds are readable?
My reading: **1:02**
